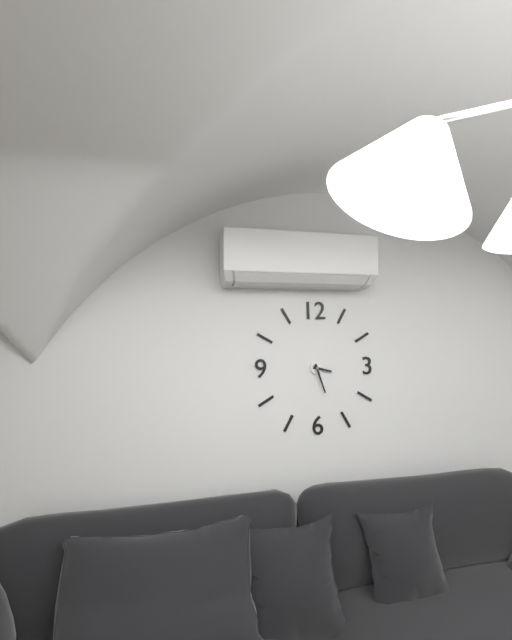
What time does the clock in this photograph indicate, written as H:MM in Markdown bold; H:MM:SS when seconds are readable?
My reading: **3:27**
